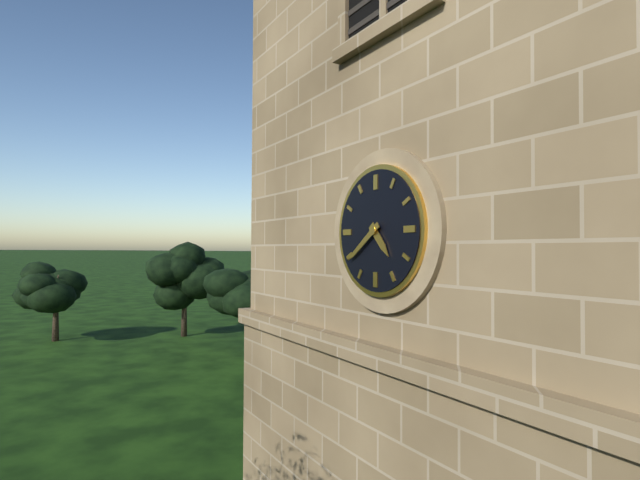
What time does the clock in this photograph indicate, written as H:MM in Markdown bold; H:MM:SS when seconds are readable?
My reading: **4:39**
